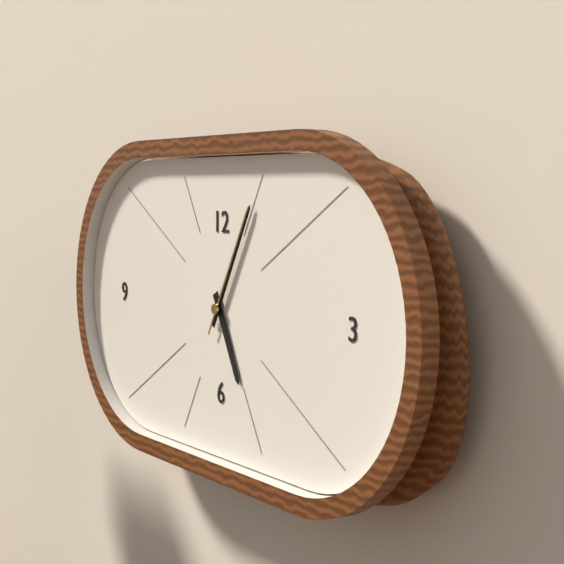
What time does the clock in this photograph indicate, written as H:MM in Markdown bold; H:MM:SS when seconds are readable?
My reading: **5:05:05**
